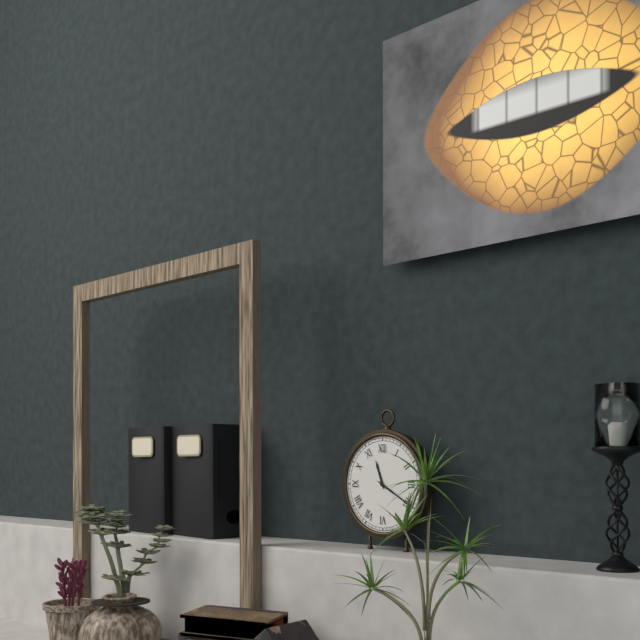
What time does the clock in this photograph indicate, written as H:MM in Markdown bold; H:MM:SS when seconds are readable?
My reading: **11:20**
